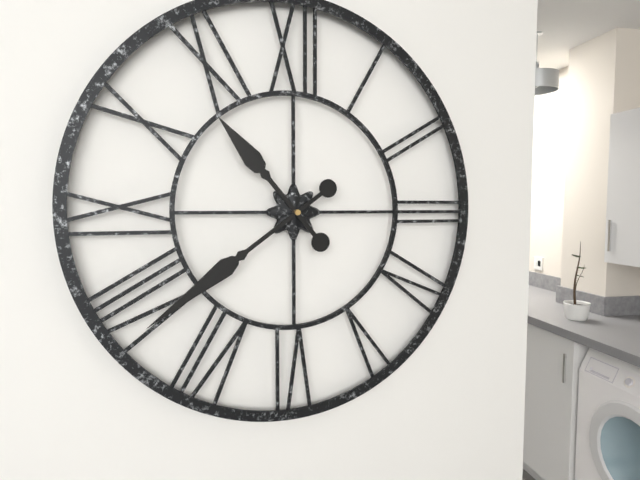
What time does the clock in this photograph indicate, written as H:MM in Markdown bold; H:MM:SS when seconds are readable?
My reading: **10:39**
